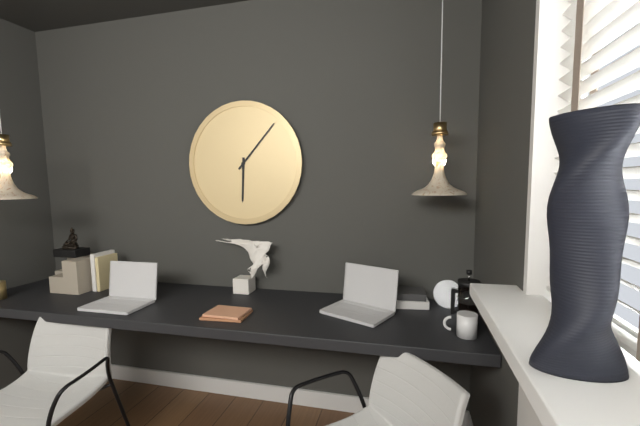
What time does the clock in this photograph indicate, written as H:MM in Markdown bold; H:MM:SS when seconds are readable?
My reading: **6:07**
